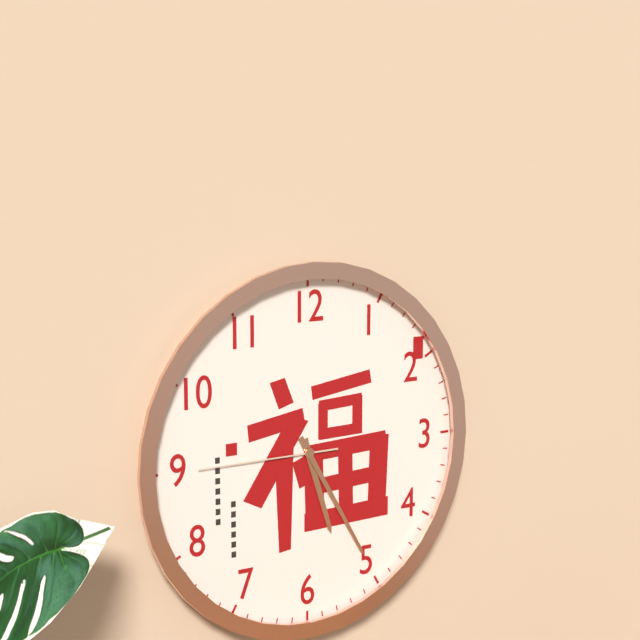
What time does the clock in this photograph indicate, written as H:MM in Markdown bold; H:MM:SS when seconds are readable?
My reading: **5:25:45**
